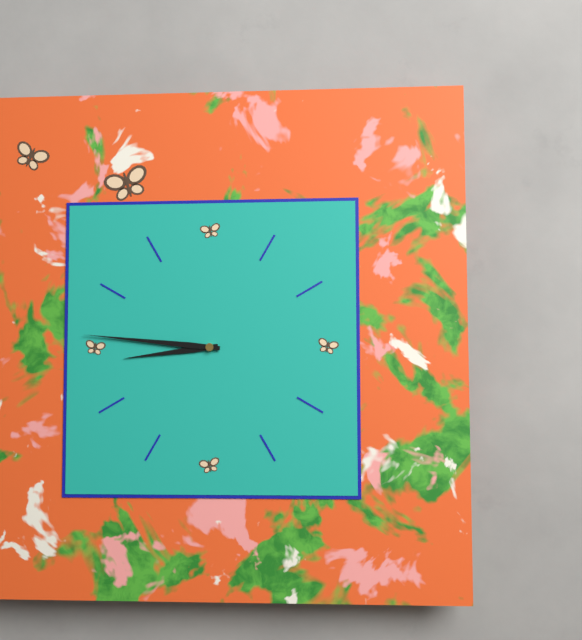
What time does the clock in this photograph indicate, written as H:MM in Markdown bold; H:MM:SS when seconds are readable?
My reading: **8:46**
